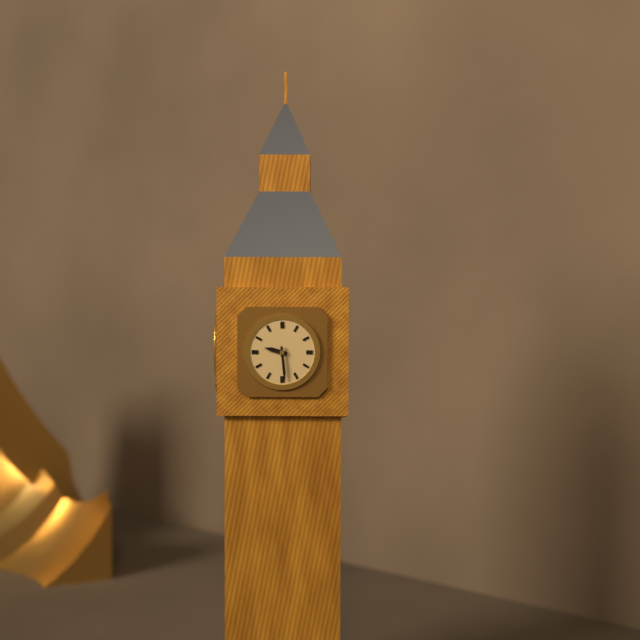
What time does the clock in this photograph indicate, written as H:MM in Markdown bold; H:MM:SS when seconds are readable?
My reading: **9:29**
